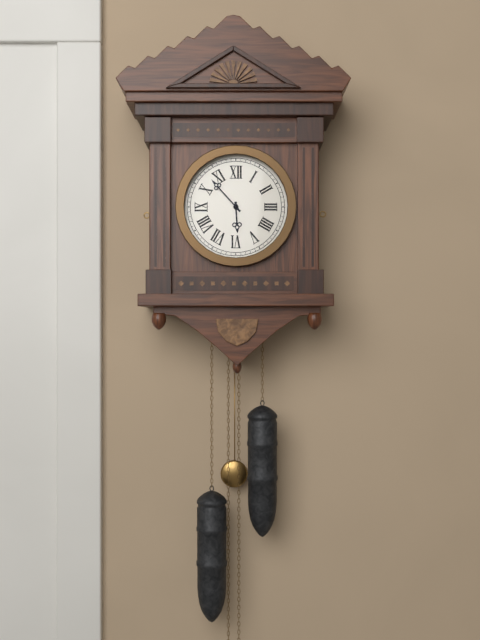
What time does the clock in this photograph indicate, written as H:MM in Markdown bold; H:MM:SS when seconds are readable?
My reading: **5:53**
